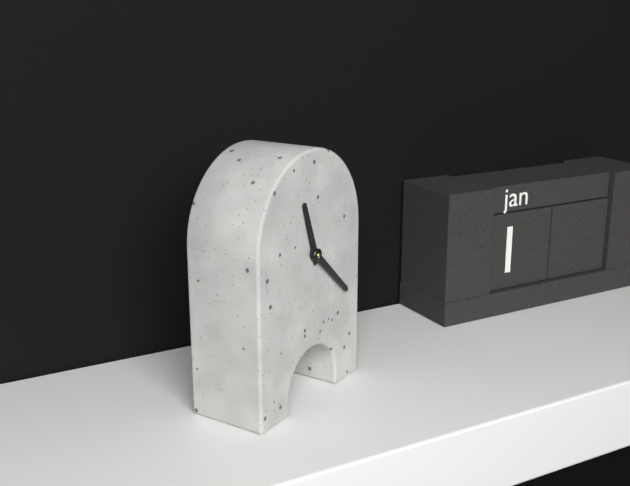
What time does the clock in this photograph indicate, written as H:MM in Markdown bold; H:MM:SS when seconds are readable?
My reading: **11:22**
